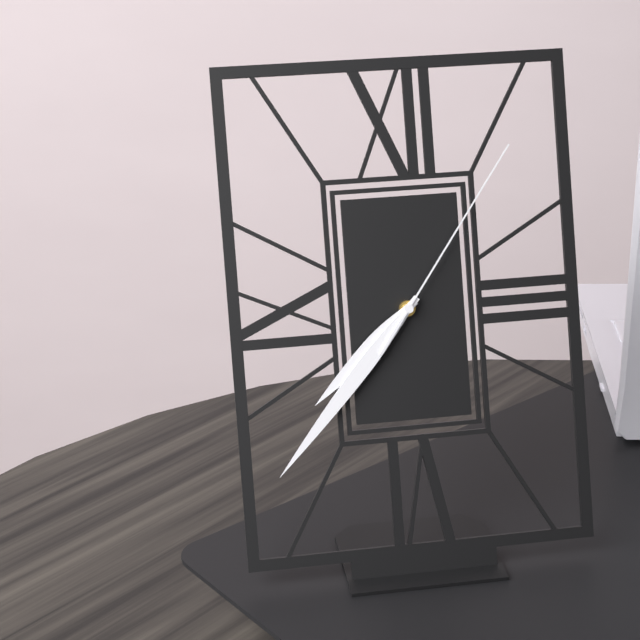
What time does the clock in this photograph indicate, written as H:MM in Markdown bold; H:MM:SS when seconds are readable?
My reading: **7:37:06**
